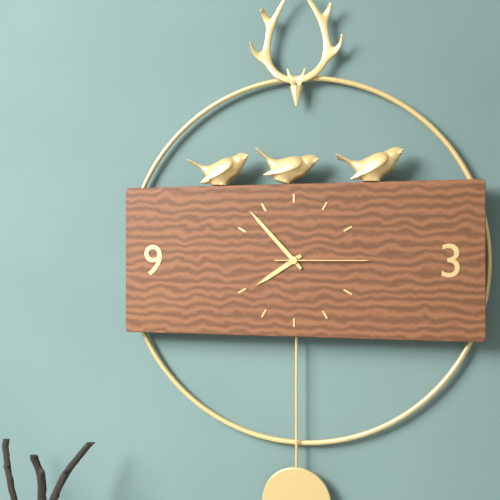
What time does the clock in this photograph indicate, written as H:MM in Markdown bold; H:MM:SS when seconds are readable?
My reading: **7:53:15**
